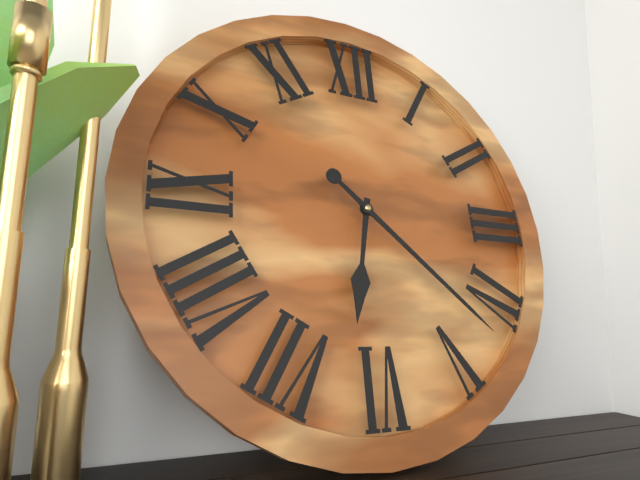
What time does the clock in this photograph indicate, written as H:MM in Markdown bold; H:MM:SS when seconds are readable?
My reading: **6:22**
